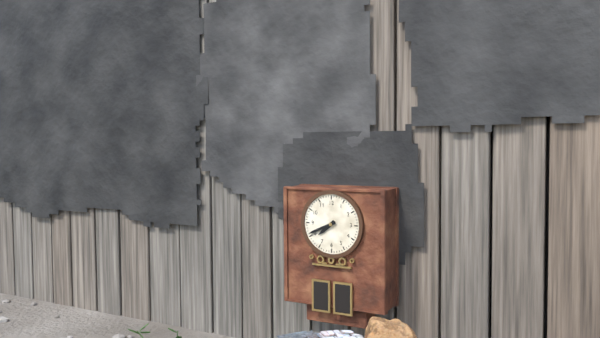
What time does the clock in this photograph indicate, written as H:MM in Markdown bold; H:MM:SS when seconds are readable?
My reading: **7:41**
